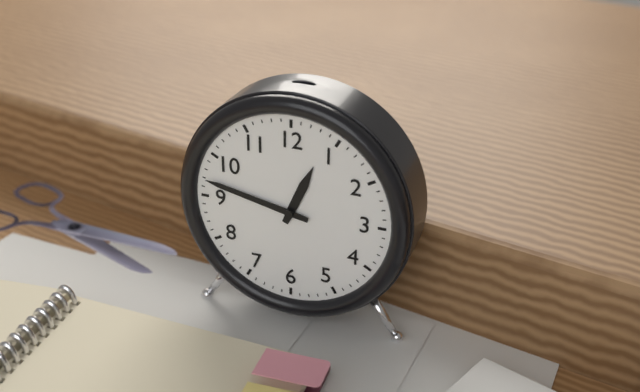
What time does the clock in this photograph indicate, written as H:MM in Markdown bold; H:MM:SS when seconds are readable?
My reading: **12:47**
